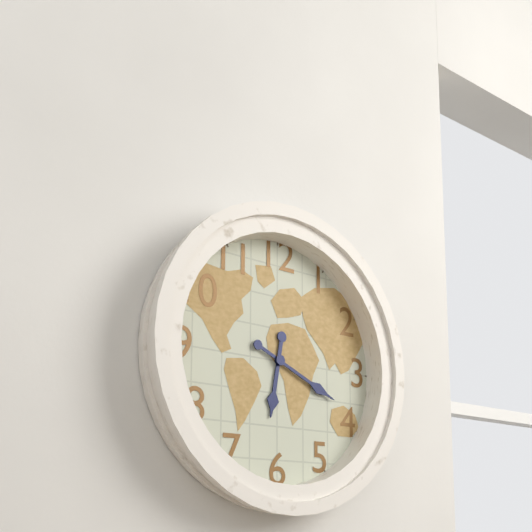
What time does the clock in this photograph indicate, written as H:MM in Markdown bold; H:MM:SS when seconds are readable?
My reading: **6:19**
